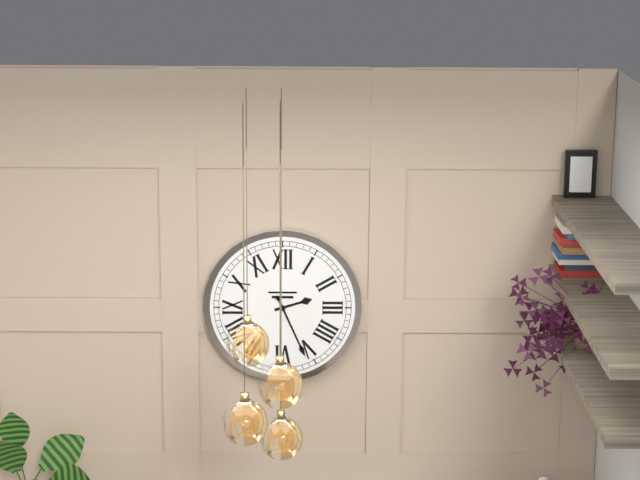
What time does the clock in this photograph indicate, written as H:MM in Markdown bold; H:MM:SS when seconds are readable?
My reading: **2:26**
